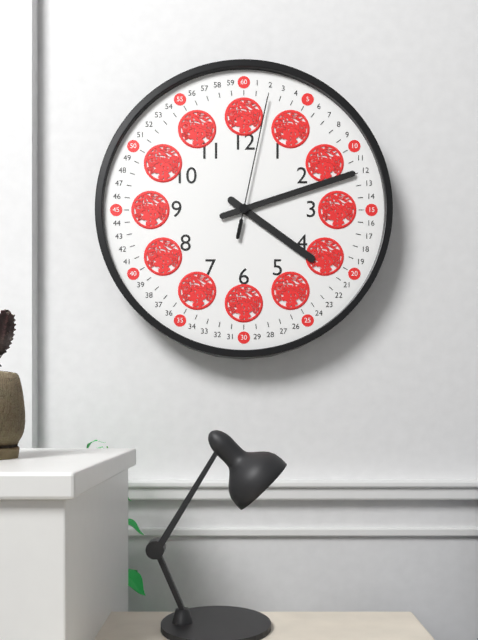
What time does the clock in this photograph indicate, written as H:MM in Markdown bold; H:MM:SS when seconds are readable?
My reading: **4:12:02**
